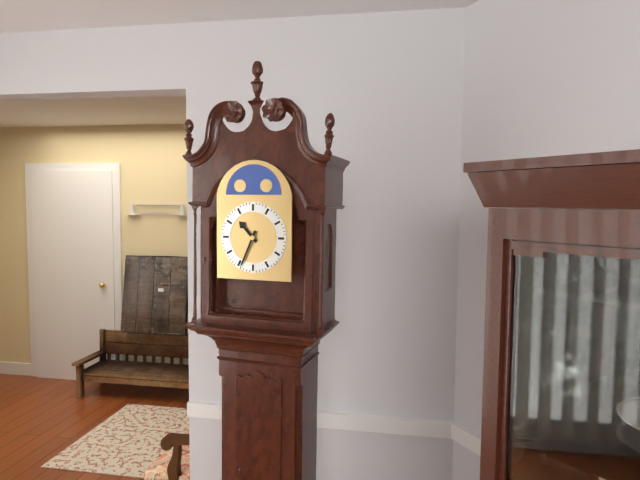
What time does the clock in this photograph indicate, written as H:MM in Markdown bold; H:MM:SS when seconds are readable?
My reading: **10:34**
